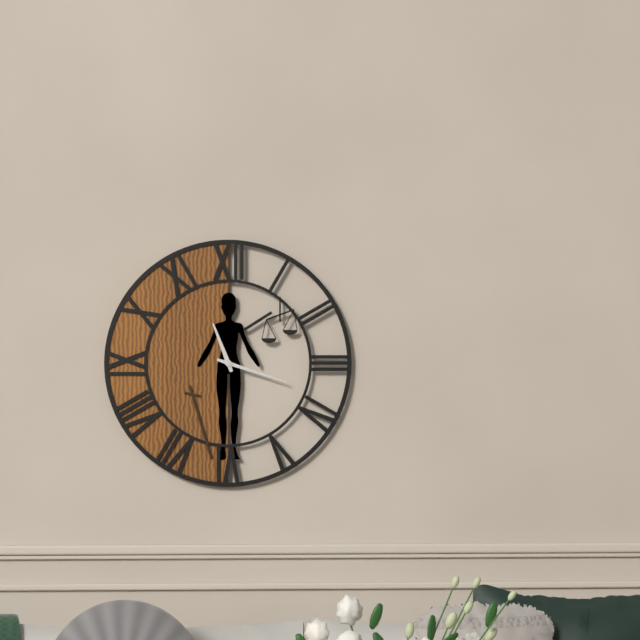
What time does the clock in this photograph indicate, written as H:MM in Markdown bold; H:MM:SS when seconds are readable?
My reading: **11:18**
